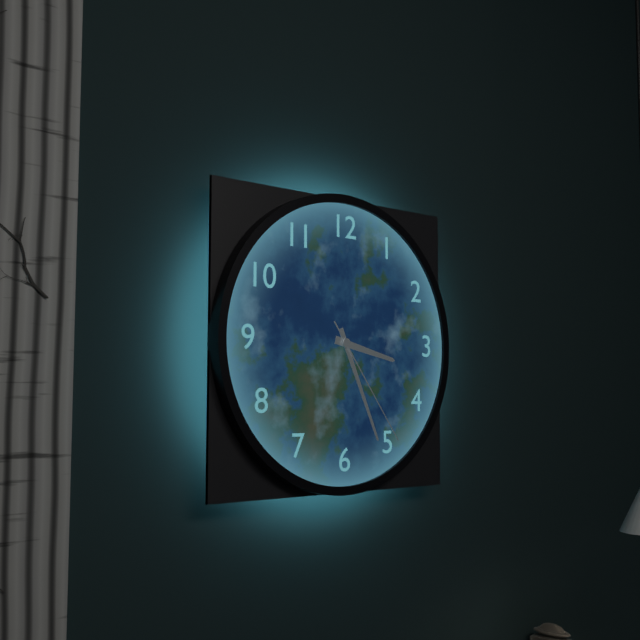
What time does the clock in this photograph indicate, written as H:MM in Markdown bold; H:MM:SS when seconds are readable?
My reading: **3:26:24**
